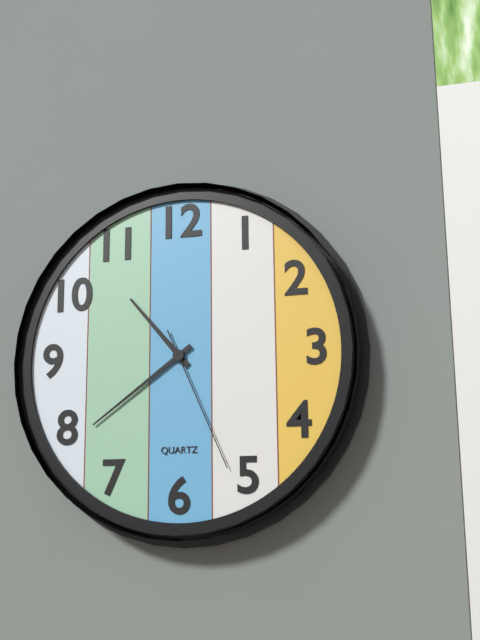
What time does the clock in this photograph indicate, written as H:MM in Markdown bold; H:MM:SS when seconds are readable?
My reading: **10:39:26**
